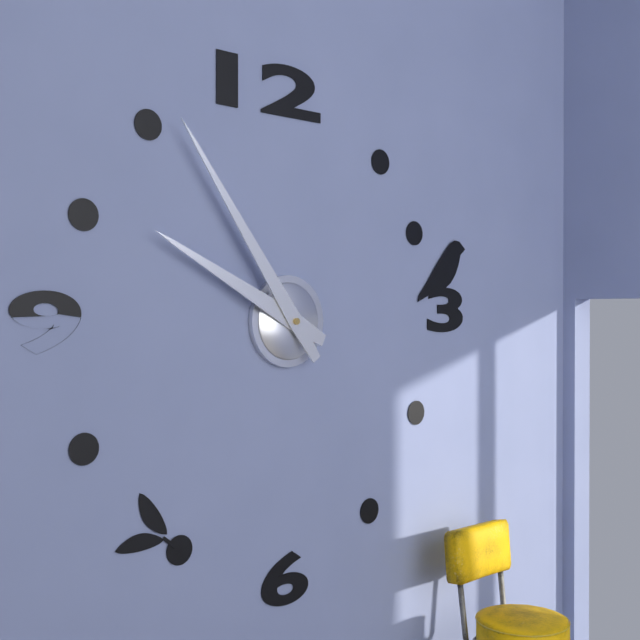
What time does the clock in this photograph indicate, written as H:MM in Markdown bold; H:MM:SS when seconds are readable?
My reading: **9:54**
